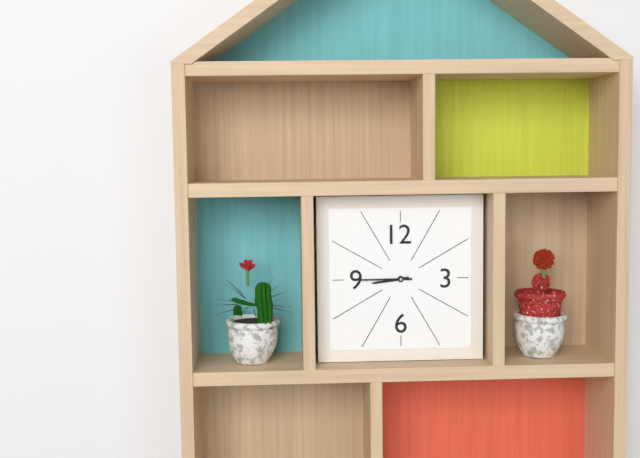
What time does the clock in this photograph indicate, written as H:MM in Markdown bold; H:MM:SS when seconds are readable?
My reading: **8:45**
